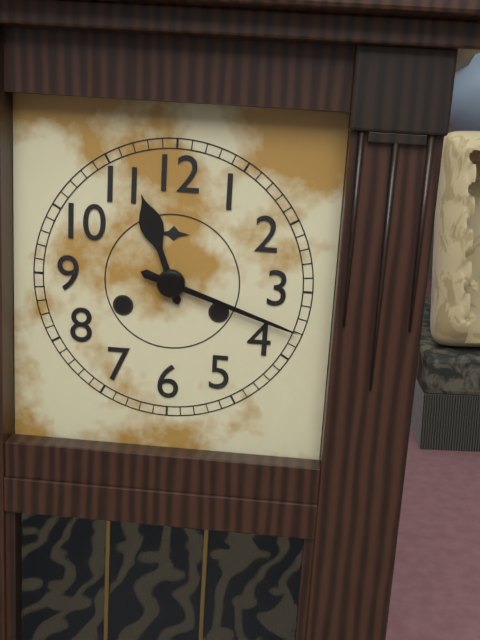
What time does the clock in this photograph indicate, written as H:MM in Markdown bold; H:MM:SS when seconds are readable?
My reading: **11:18**
